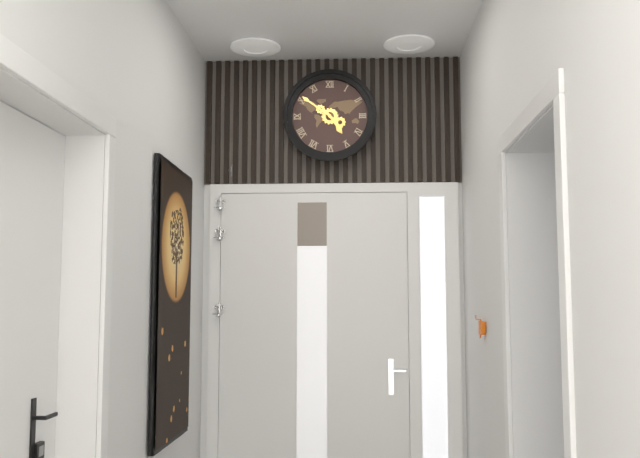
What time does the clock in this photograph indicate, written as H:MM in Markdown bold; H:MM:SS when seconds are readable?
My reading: **4:51**
